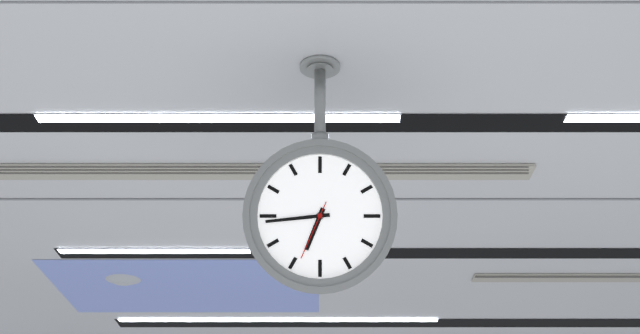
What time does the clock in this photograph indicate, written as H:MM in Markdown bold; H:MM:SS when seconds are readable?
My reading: **6:44:34**
